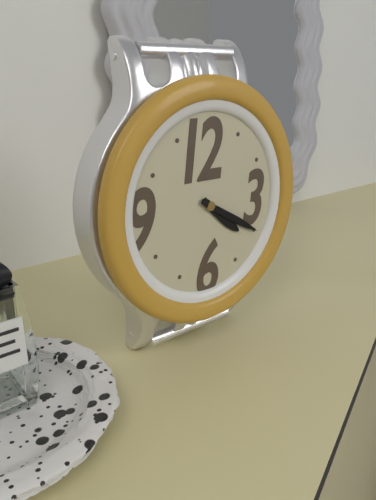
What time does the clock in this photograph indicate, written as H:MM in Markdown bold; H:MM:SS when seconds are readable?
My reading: **4:20**
